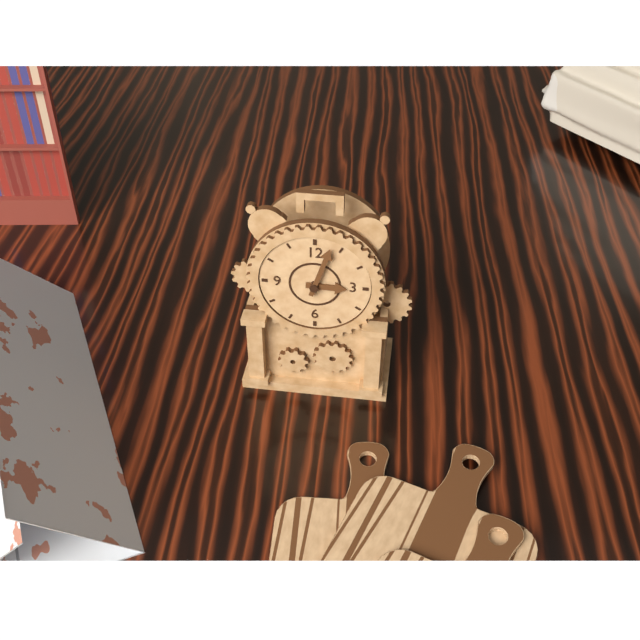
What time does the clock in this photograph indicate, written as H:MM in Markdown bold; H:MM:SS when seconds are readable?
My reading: **3:03**
